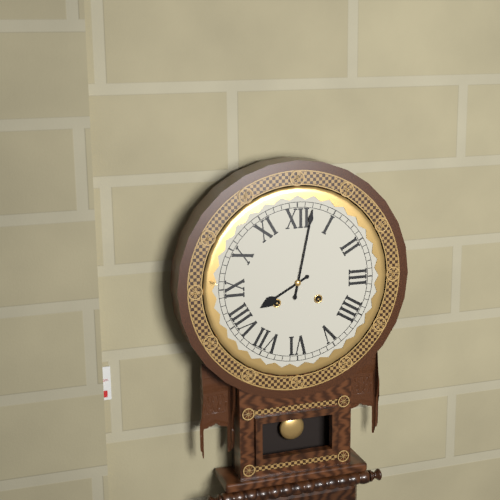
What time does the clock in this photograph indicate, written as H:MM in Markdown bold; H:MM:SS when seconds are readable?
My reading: **8:02**
